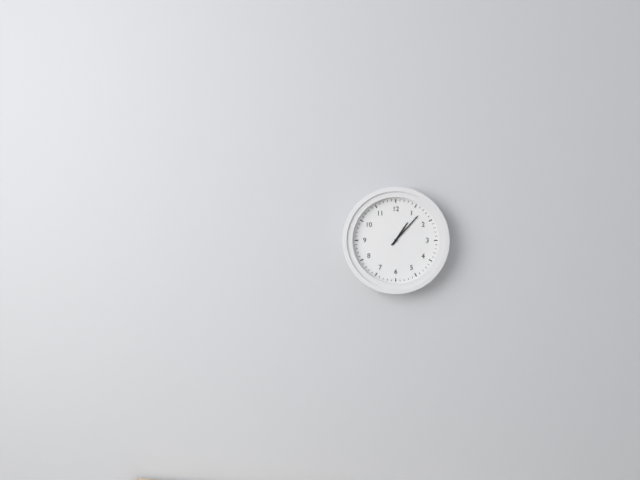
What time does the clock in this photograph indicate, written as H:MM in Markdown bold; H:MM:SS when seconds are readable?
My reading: **1:07**
